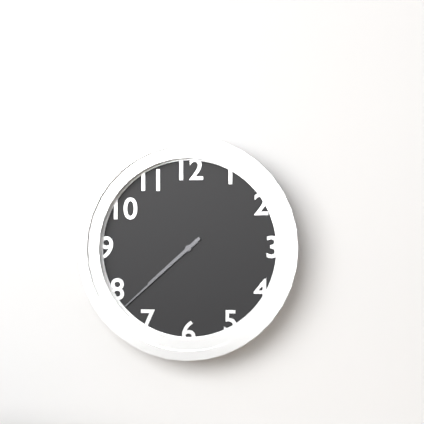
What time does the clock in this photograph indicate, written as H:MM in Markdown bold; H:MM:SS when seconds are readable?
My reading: **7:38**
